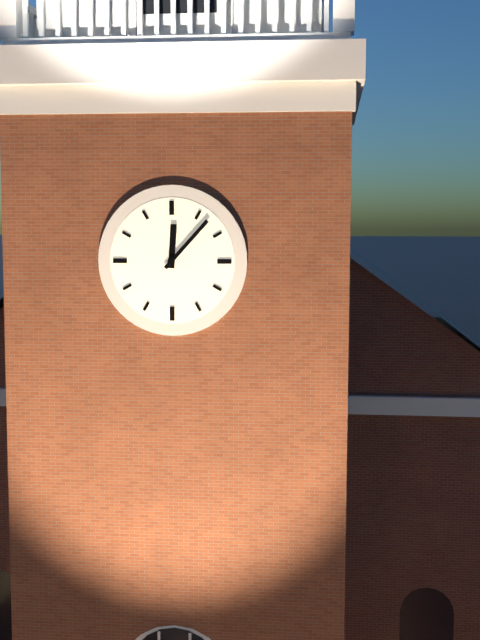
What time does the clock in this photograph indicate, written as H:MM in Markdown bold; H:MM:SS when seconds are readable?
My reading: **12:07**
